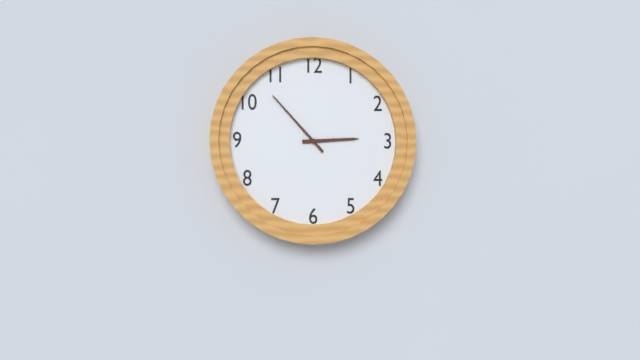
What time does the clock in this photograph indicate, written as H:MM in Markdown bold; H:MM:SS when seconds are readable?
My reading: **2:53**
